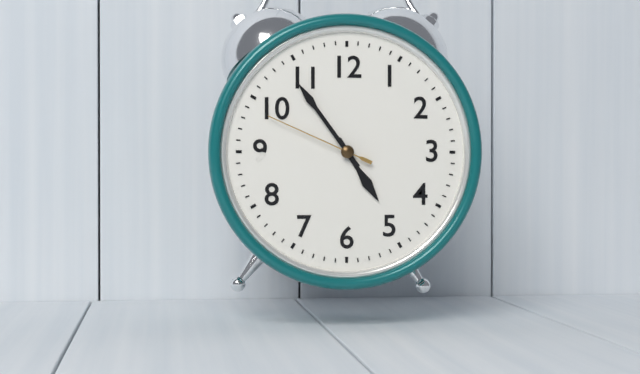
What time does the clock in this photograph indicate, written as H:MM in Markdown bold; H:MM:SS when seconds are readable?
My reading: **4:54:49**
